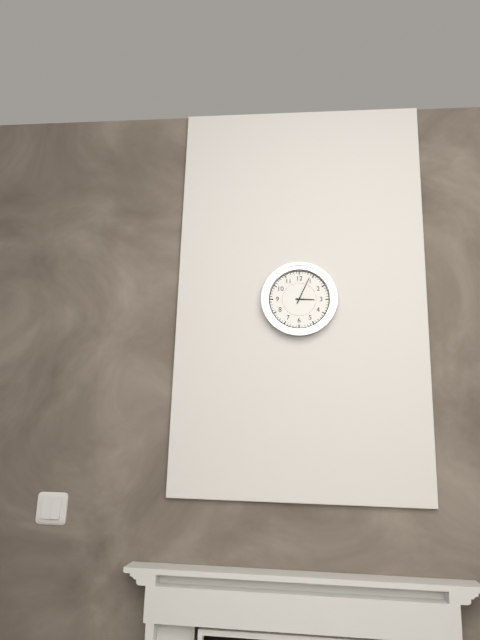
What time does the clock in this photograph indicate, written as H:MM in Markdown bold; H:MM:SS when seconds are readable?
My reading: **3:04**
